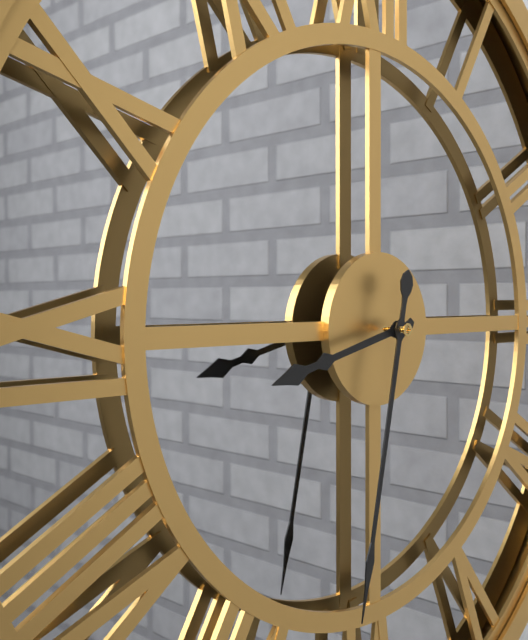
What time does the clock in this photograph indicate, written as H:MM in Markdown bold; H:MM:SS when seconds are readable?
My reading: **8:32**
